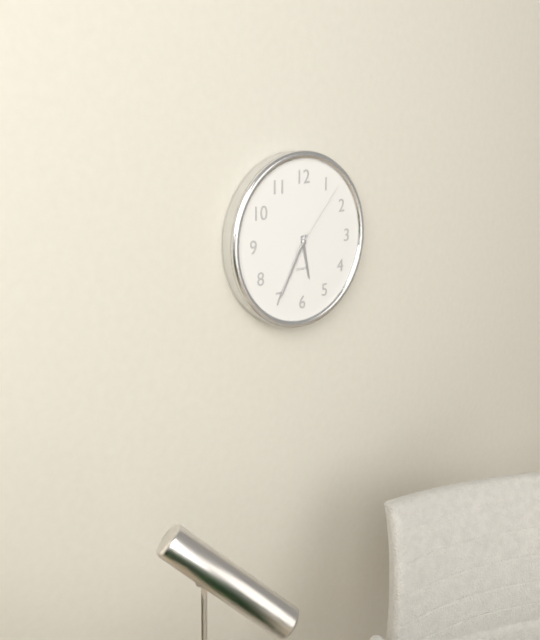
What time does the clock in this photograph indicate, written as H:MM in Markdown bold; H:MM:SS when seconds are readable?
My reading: **5:35:07**
